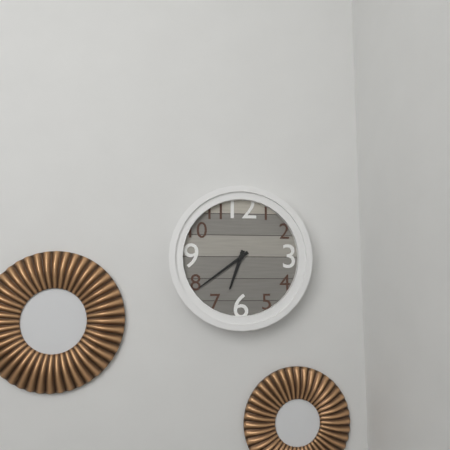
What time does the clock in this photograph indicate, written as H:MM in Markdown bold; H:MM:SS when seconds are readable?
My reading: **6:39**
